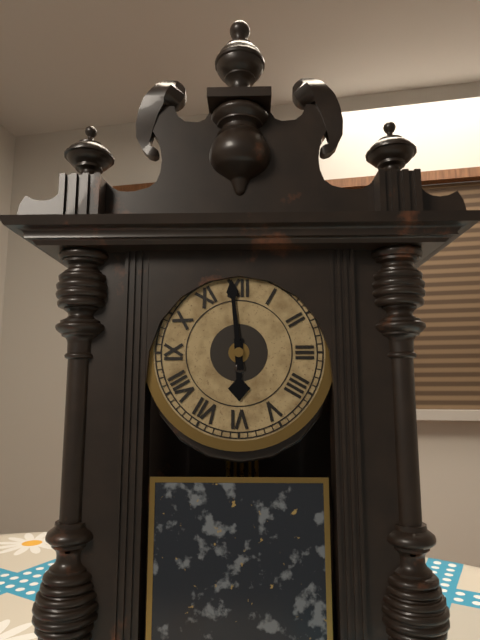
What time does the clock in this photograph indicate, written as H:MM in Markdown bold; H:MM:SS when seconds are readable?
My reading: **5:59**
